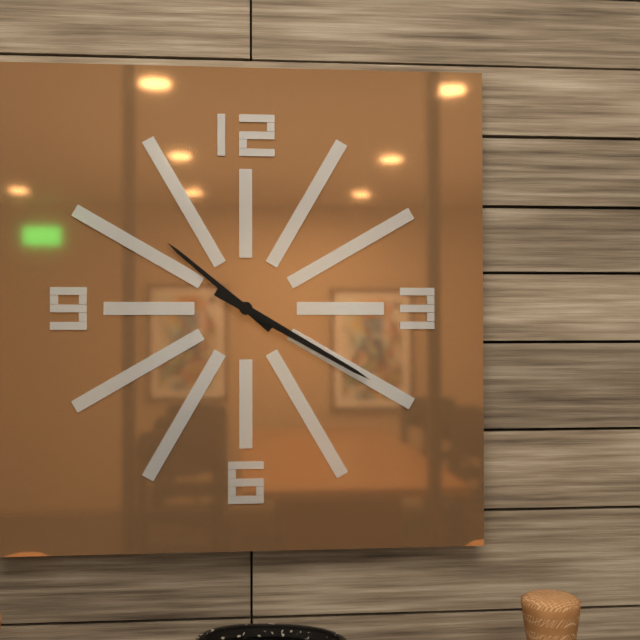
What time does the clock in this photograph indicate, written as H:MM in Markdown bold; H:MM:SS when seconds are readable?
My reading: **10:20**
